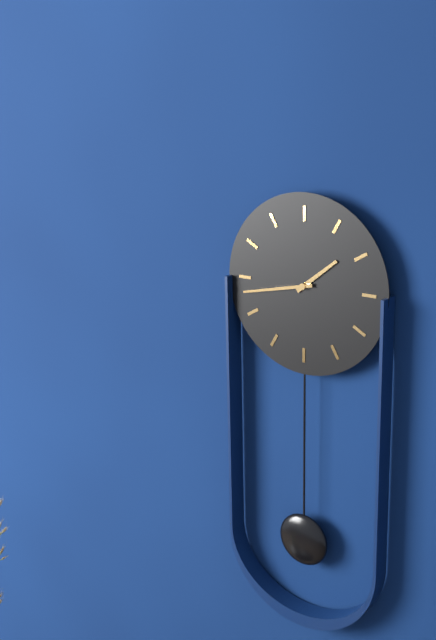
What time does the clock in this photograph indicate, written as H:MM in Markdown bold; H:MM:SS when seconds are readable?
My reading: **1:43**
